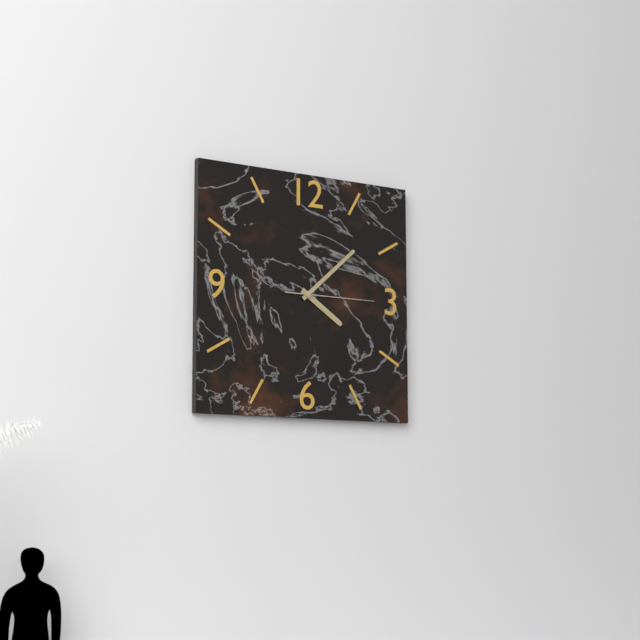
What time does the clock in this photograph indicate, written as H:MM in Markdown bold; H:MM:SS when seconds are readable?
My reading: **4:08:15**
